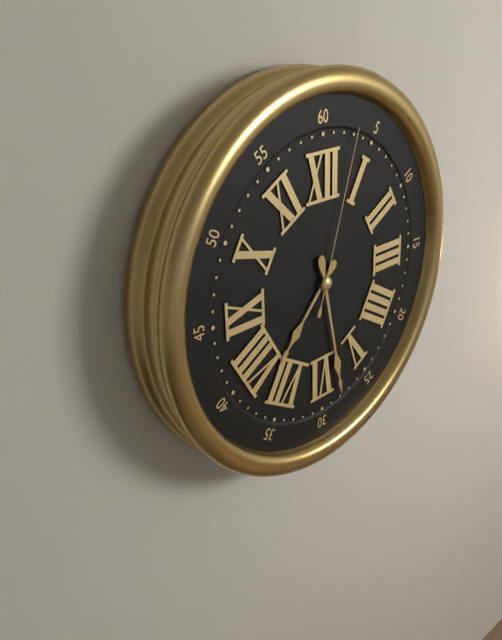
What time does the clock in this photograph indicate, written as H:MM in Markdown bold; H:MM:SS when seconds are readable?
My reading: **7:28:03**
